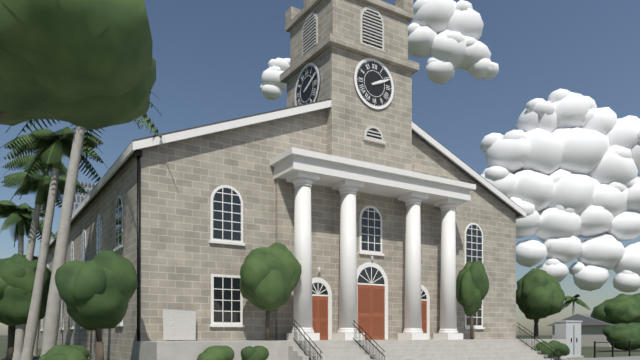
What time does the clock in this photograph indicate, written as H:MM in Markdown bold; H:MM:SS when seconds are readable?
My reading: **2:11**
